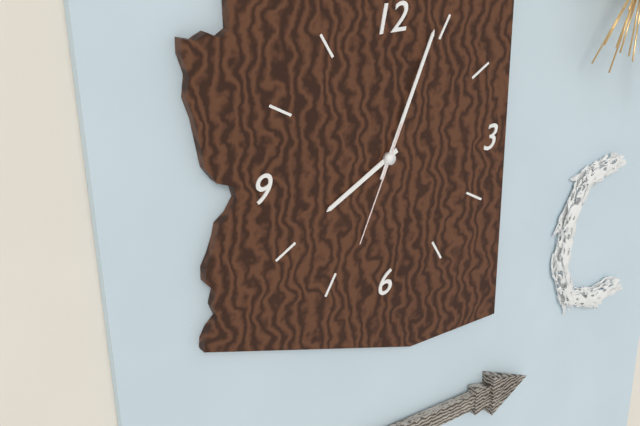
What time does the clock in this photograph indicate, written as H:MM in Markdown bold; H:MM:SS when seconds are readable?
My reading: **8:04:34**
